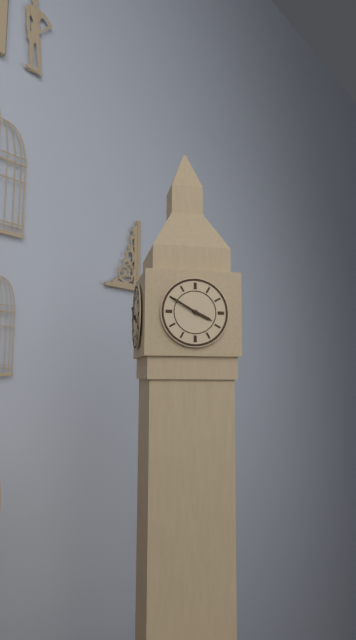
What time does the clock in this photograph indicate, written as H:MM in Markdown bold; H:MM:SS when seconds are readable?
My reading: **3:50**
